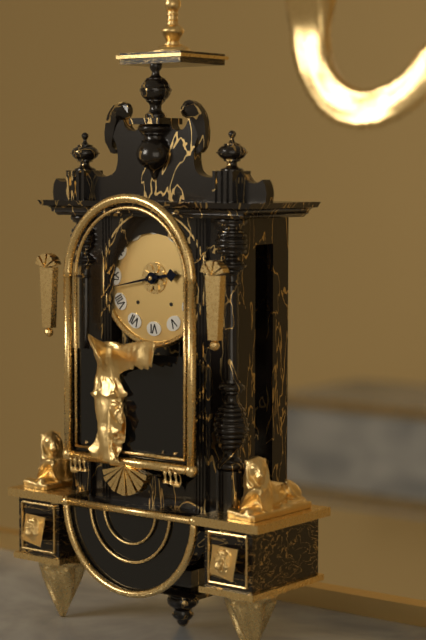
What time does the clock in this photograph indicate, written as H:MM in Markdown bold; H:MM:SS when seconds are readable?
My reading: **2:43**
